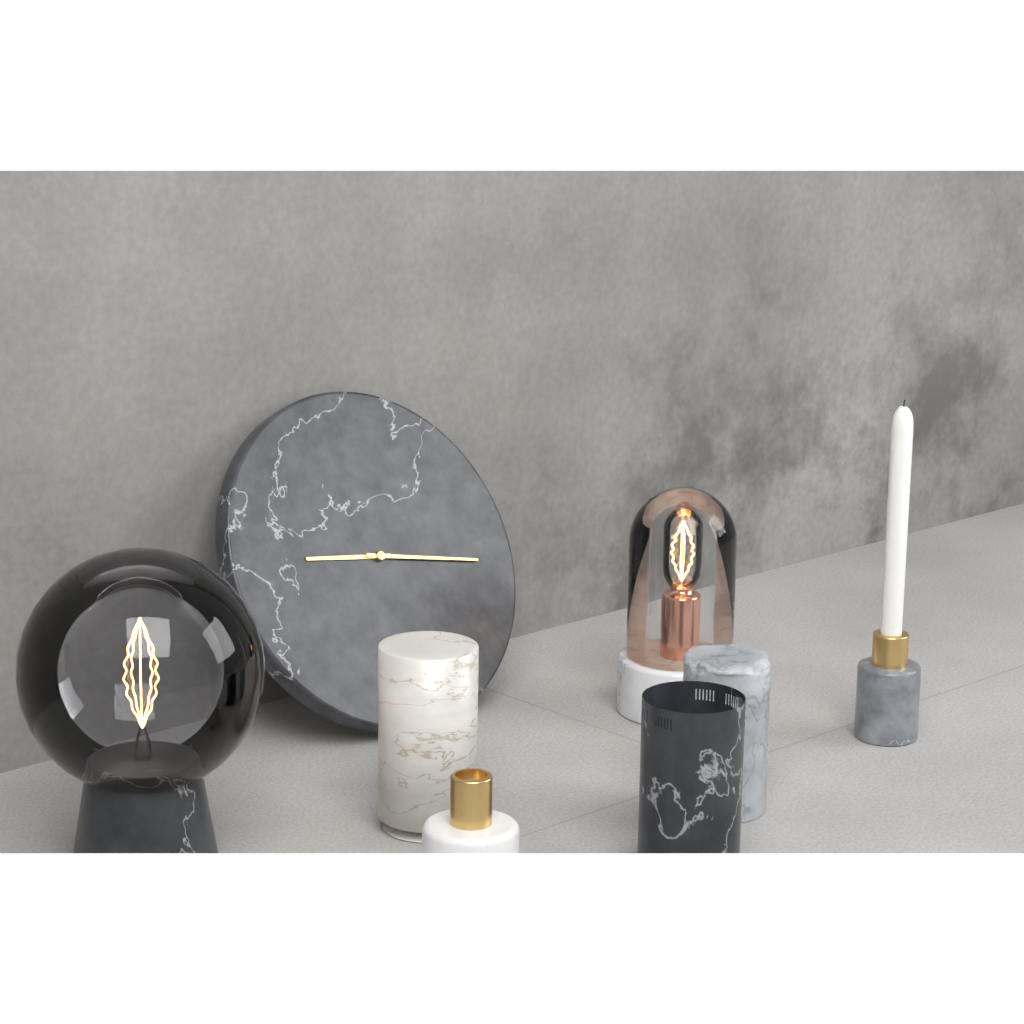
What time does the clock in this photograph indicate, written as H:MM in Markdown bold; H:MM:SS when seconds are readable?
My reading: **9:17**
